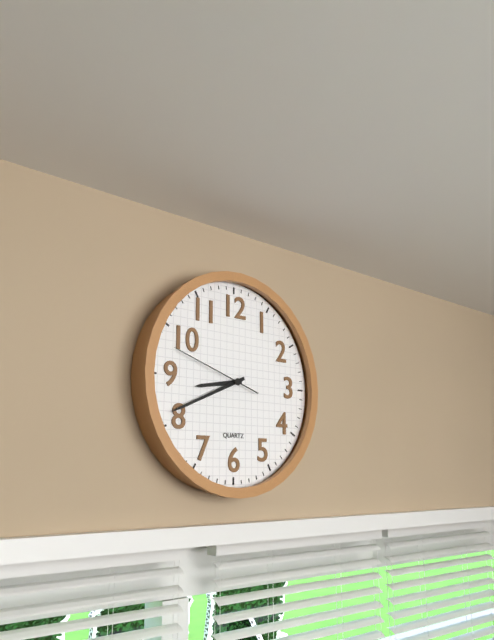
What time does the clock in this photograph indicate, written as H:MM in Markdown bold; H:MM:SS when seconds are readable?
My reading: **8:41:48**
